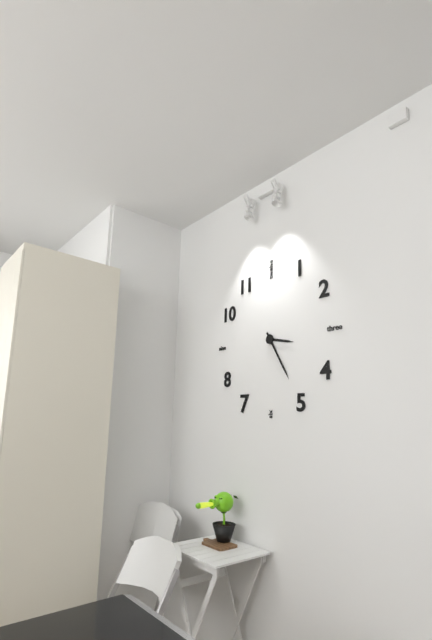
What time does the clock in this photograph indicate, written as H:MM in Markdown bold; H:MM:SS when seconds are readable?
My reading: **3:25**
